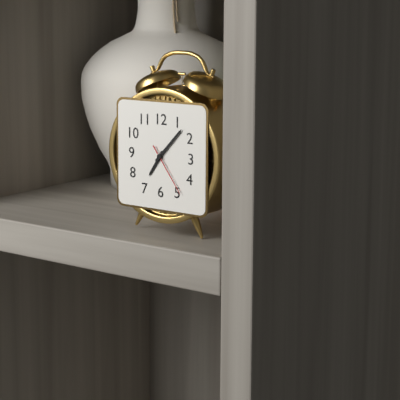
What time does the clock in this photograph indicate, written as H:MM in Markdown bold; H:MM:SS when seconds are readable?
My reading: **7:07:24**
